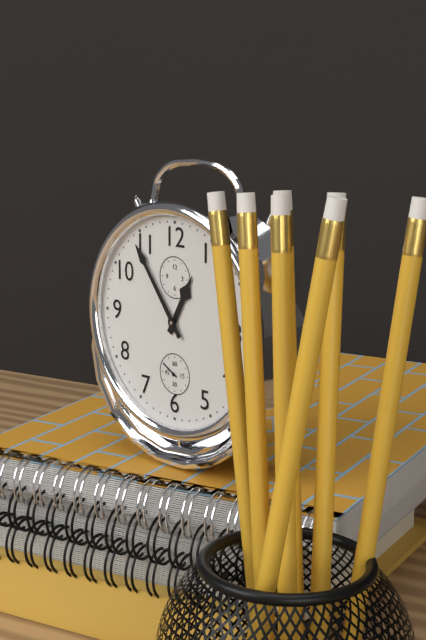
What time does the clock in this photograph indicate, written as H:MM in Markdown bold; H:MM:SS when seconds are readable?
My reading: **12:54**
